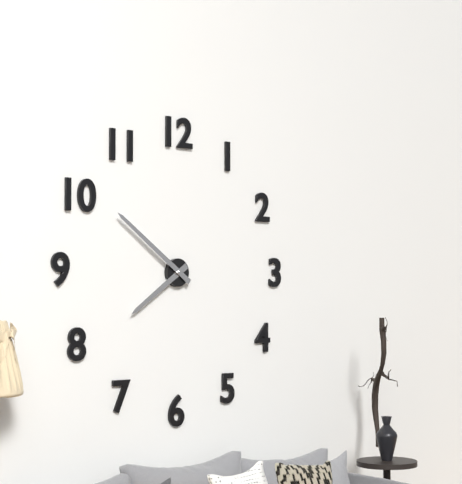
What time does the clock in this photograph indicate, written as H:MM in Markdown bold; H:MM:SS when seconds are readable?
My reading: **7:51**
